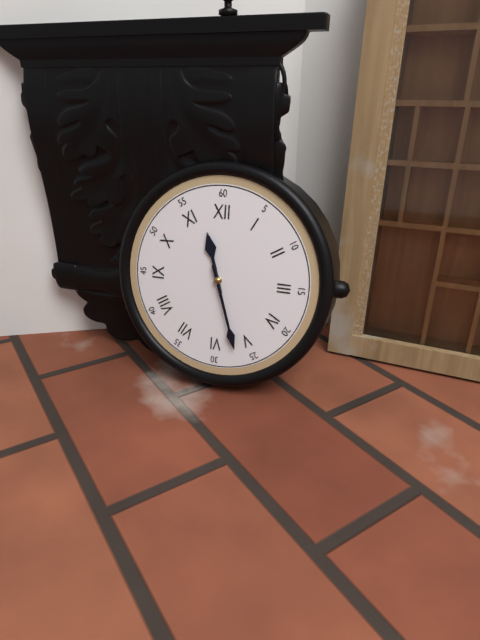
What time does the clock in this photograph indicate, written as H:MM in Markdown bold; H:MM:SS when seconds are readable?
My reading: **11:27**
